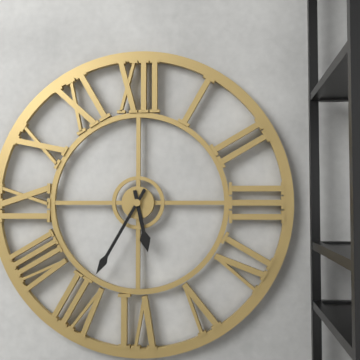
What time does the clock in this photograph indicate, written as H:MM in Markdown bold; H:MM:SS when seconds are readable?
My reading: **5:35**
